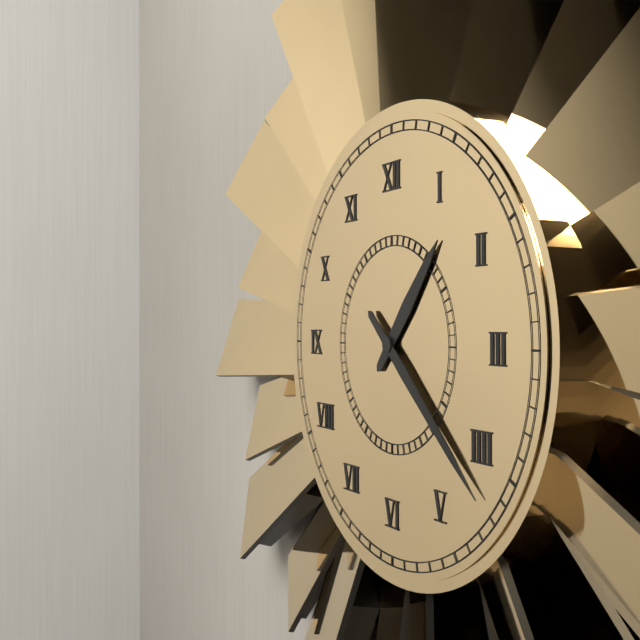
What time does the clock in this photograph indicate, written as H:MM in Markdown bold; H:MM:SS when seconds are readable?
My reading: **1:22**
